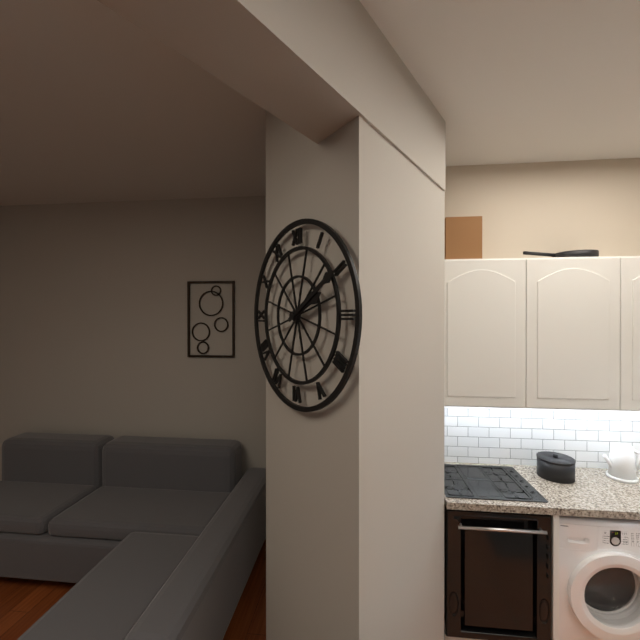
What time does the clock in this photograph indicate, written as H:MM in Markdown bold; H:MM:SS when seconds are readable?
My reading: **2:10**
